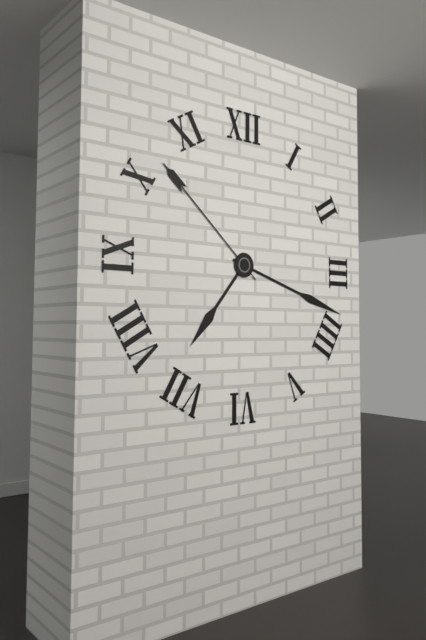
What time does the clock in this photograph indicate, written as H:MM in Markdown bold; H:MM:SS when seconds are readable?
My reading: **7:18:52**
